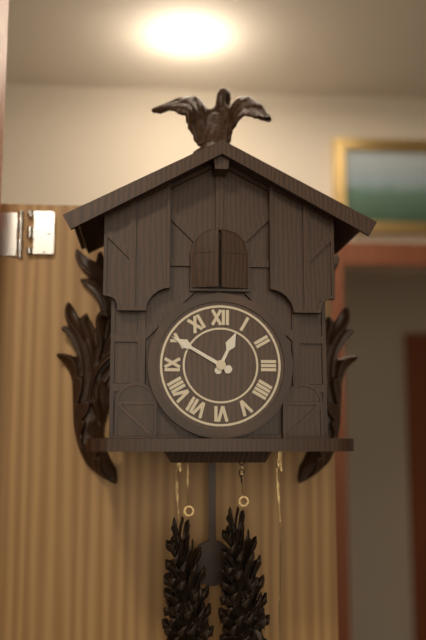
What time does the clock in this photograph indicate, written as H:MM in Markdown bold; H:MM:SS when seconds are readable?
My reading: **12:50**
